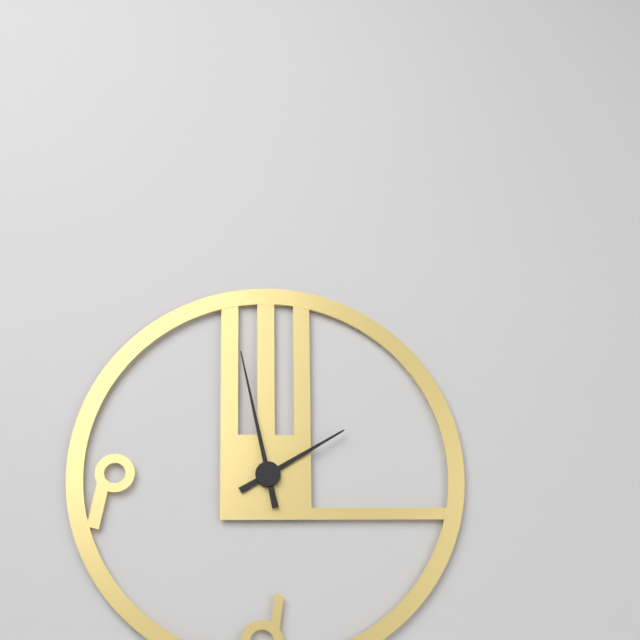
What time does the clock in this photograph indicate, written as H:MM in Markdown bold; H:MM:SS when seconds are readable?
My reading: **1:58**
